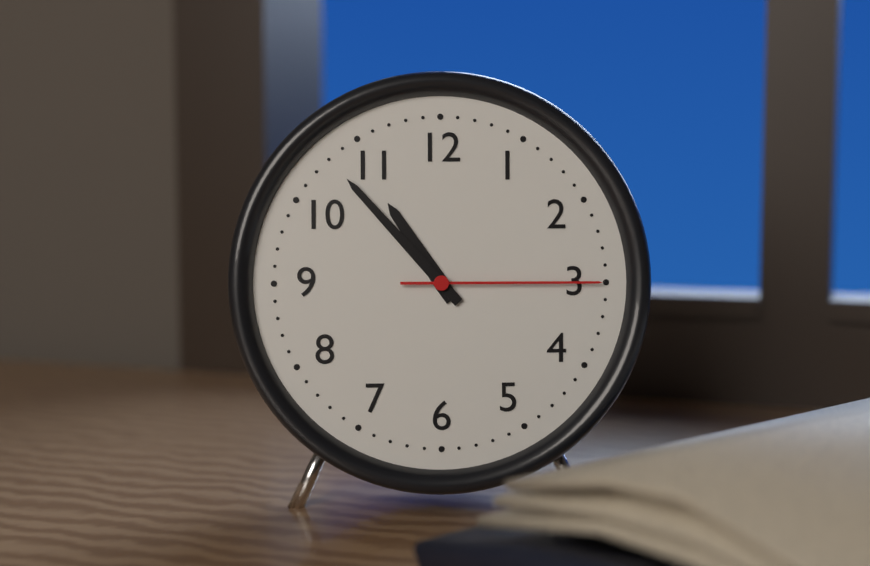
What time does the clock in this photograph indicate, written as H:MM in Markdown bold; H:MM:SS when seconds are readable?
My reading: **10:53:15**
